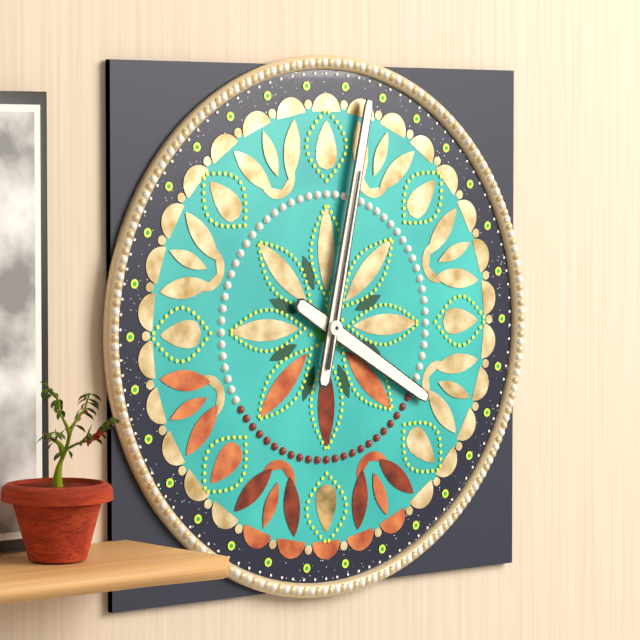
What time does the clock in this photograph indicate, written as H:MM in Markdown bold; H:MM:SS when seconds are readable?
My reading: **4:02:02**
